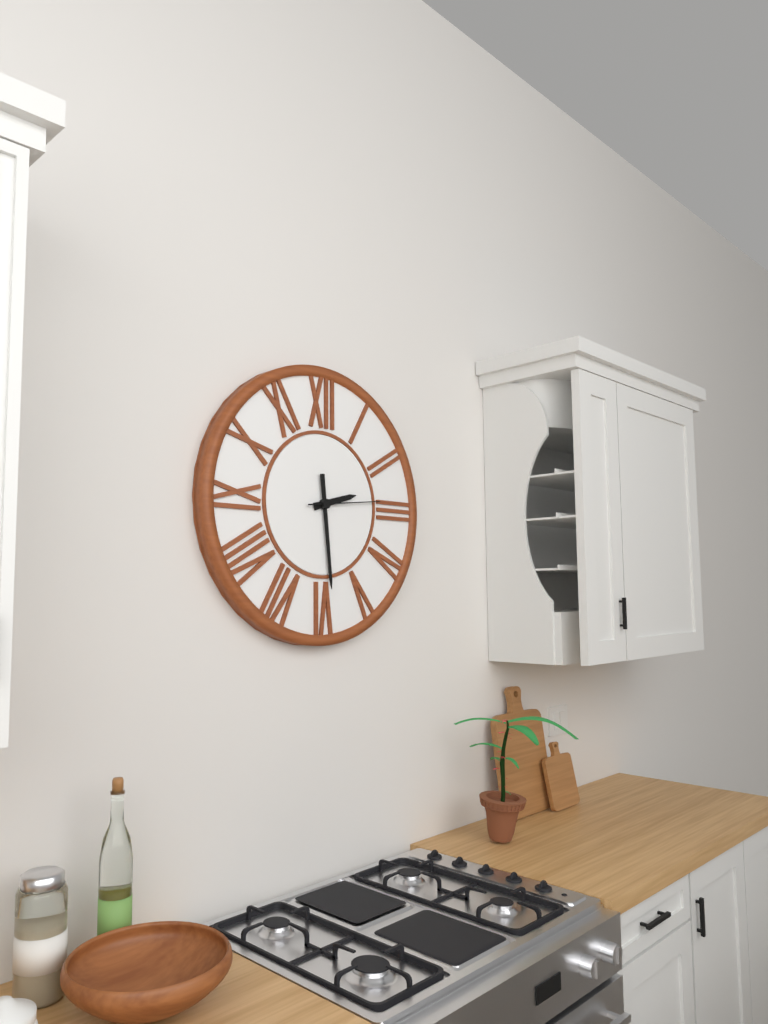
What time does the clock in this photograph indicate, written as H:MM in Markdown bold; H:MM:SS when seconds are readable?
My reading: **2:29:14**
